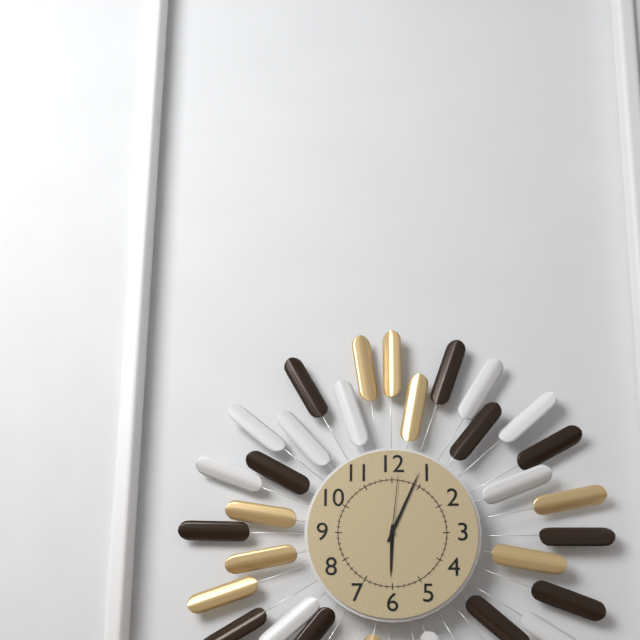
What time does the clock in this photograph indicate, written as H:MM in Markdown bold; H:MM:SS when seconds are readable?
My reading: **6:04:01**
